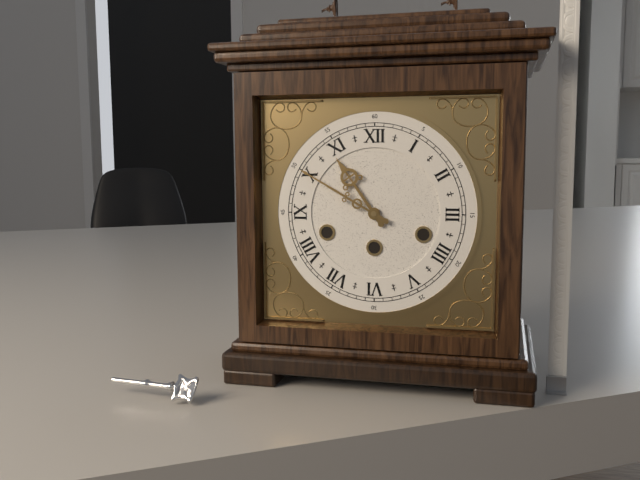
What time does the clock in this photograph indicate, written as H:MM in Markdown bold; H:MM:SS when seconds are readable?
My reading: **10:50**
